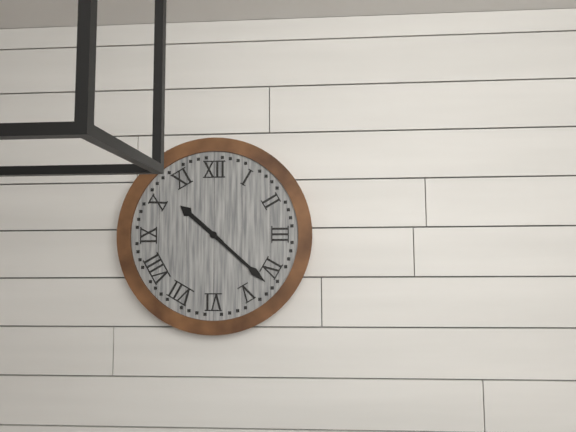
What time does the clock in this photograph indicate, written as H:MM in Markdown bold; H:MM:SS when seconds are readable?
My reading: **10:22**
